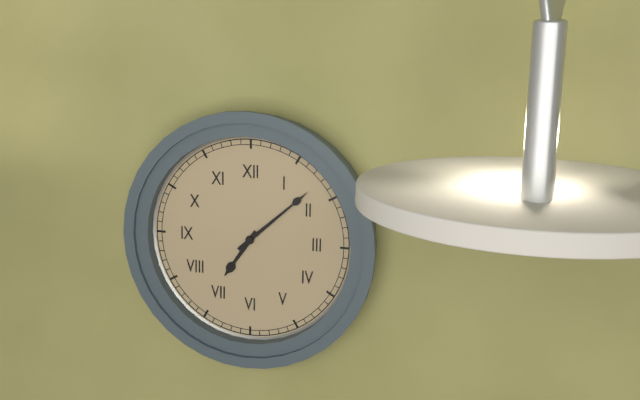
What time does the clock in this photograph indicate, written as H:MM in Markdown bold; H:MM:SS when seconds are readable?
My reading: **7:08**
